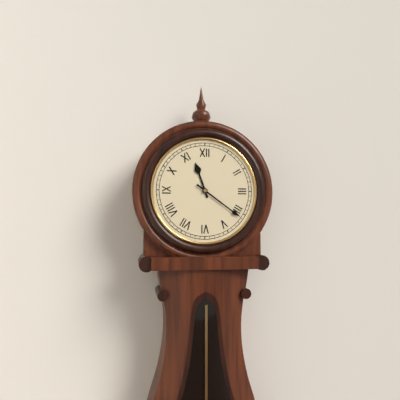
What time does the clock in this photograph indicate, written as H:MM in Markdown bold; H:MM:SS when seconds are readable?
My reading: **11:21**
